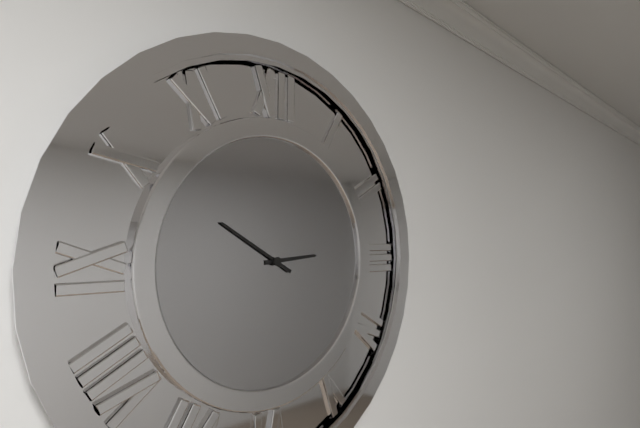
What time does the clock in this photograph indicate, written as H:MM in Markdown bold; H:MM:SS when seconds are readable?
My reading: **2:50**
